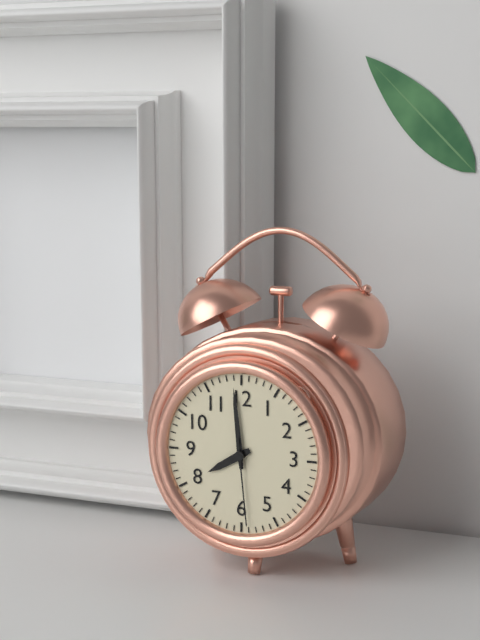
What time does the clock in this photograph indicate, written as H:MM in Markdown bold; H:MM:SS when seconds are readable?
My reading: **7:59:29**
